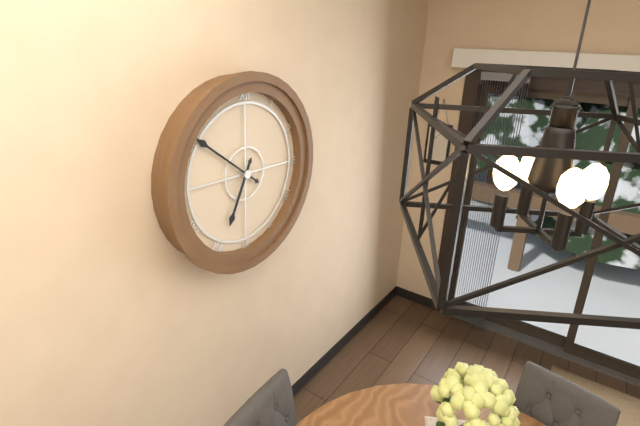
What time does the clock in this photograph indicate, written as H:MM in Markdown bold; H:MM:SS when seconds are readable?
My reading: **6:51**
